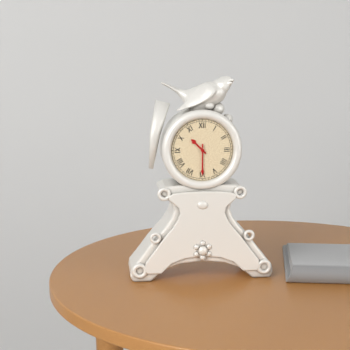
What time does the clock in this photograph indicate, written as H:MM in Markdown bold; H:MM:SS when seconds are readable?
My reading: **10:30**
